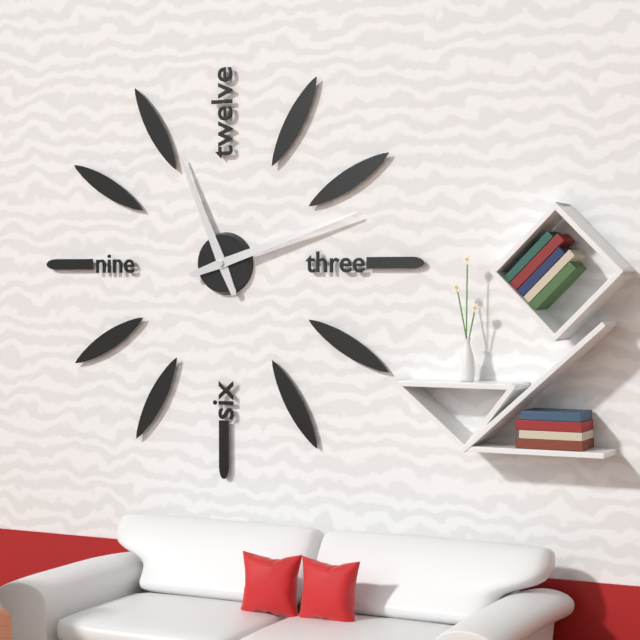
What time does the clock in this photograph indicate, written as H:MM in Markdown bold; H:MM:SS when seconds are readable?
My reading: **11:12**
